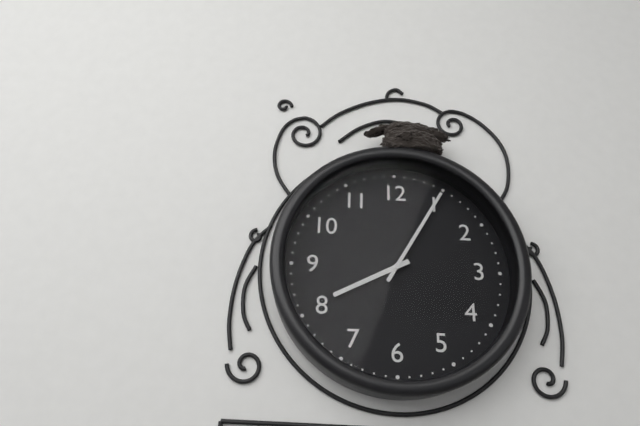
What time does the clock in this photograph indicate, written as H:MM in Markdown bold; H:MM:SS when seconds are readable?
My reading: **8:05**
